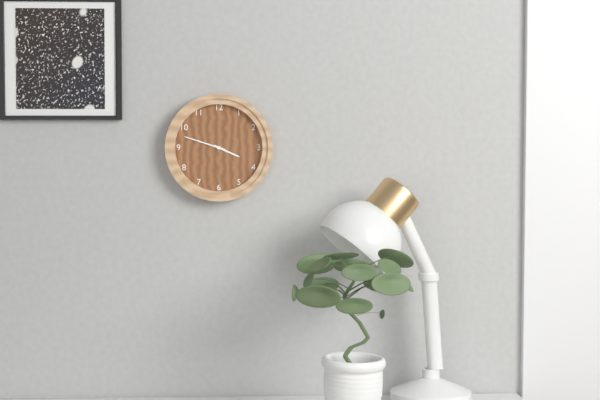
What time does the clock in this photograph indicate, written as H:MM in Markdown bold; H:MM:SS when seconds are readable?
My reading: **3:48**
